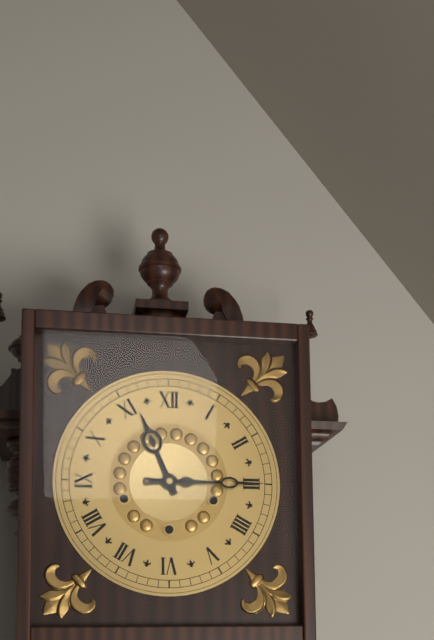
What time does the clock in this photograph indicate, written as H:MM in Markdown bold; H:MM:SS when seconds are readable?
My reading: **11:15**
